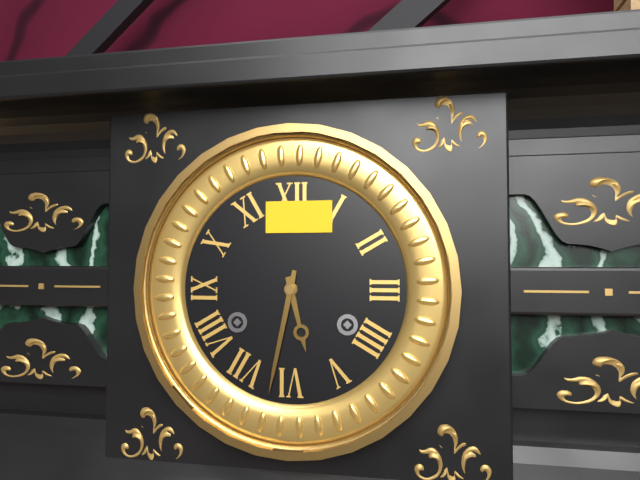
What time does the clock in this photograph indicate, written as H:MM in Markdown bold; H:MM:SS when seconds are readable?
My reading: **5:32**
